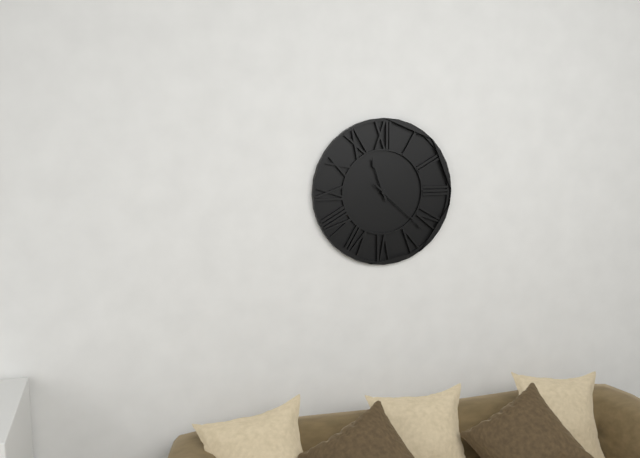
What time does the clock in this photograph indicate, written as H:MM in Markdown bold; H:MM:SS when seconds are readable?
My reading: **11:22**
